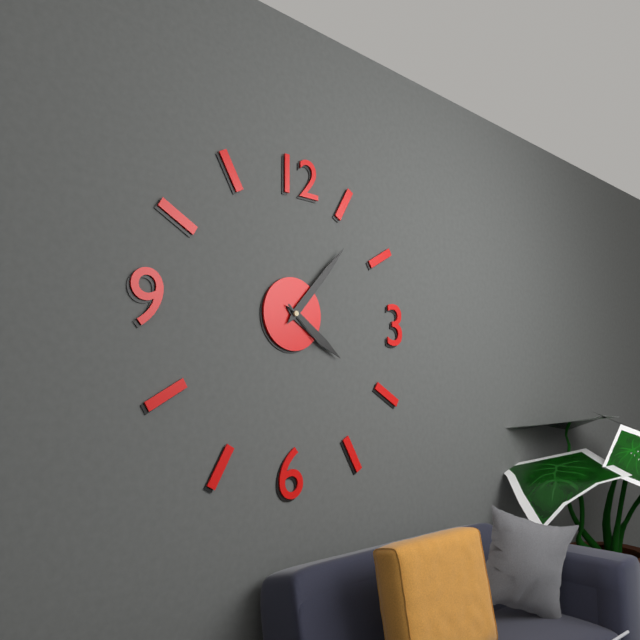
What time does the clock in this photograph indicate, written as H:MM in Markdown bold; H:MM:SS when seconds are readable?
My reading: **4:07:22**
